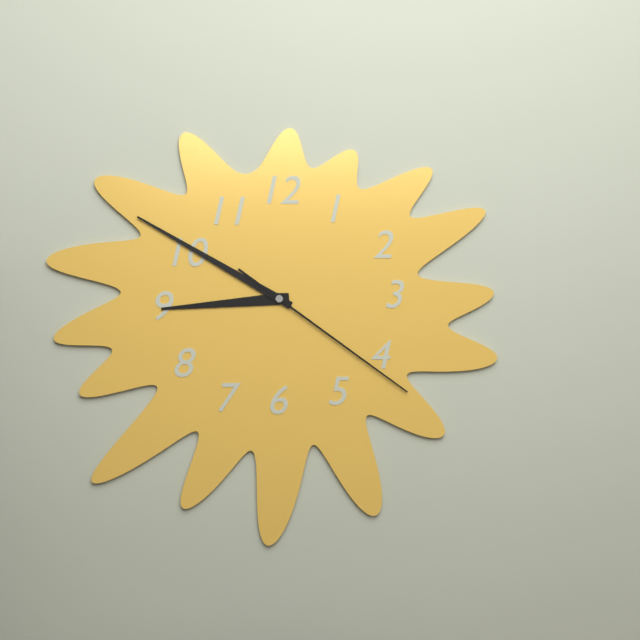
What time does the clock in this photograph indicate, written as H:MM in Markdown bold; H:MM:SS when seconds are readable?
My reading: **8:50:21**
